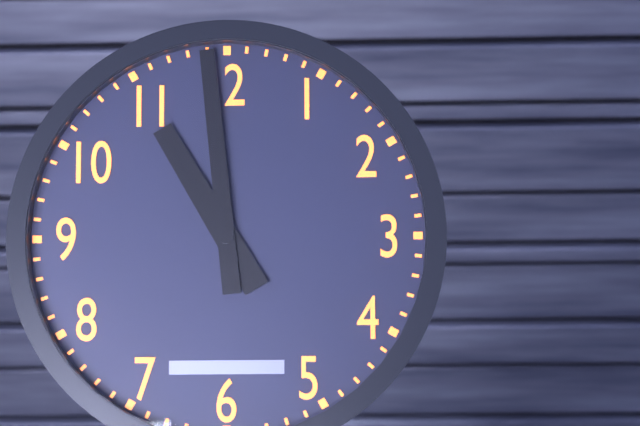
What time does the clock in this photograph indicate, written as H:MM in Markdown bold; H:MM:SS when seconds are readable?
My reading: **10:59**
